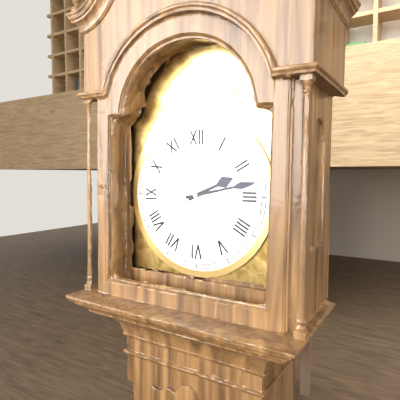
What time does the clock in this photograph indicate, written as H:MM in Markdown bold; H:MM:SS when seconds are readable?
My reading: **2:13**
